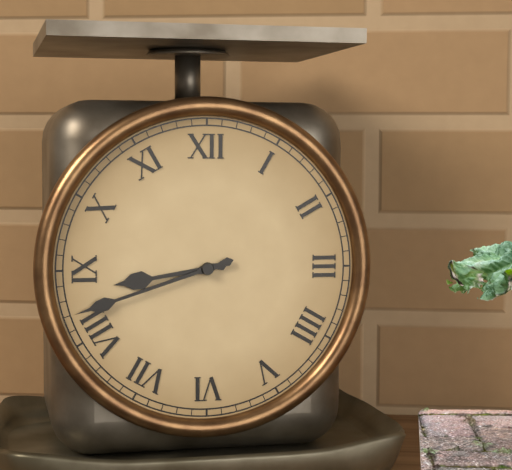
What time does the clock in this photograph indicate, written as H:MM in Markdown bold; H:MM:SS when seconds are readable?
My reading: **8:42**
